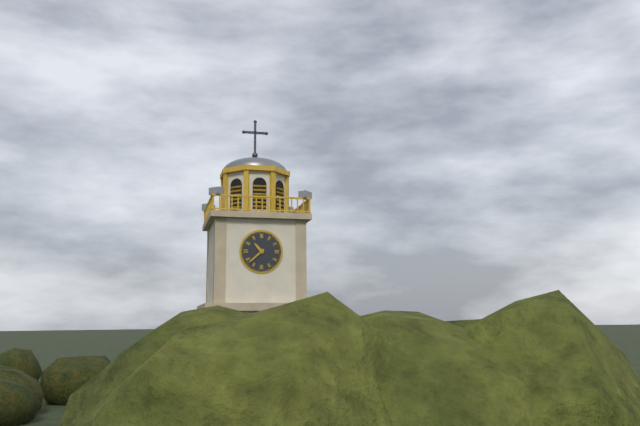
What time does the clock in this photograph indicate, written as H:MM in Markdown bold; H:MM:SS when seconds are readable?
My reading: **10:38**
